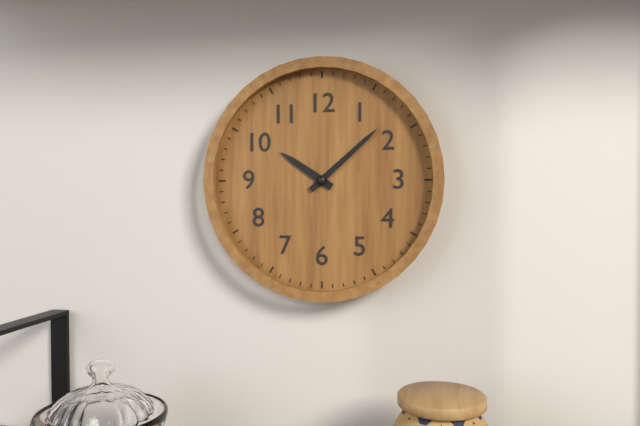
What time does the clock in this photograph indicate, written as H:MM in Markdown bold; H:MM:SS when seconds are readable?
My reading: **10:08**
